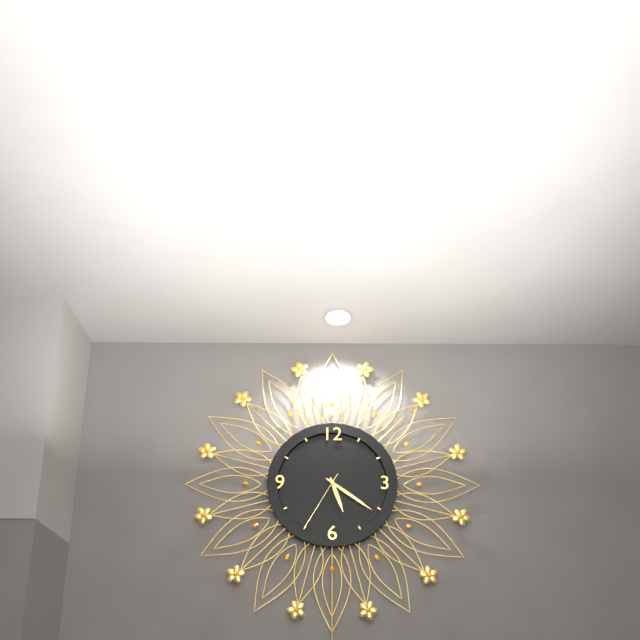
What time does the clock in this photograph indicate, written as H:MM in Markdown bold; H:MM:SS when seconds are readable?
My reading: **5:21:35**
